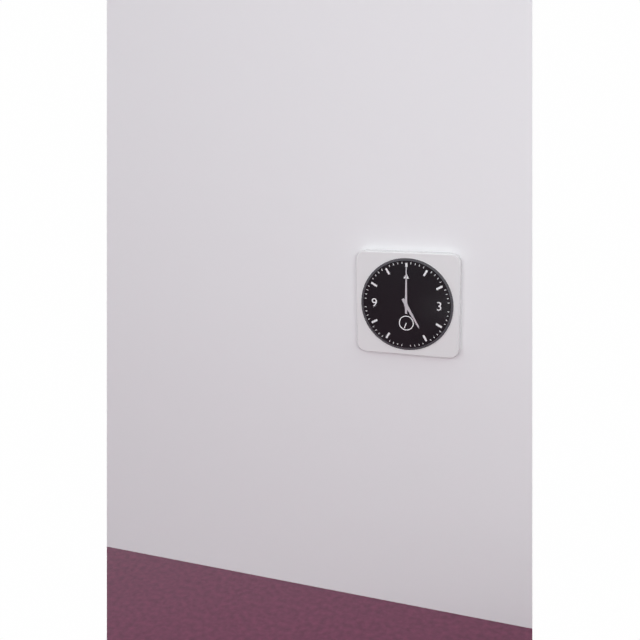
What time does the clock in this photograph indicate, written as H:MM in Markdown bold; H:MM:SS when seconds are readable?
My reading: **5:00**
